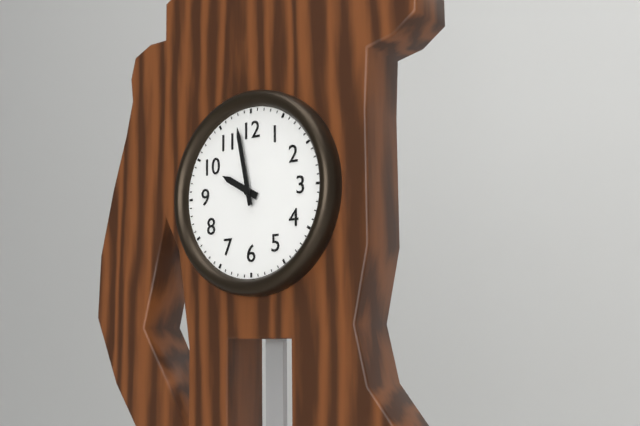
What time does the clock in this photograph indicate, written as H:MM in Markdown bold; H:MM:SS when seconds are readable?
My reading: **9:58**
